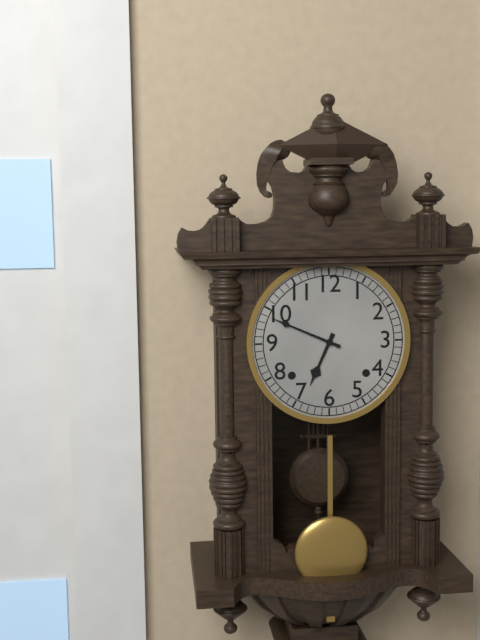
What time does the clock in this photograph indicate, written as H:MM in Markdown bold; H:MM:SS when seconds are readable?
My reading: **6:49**
